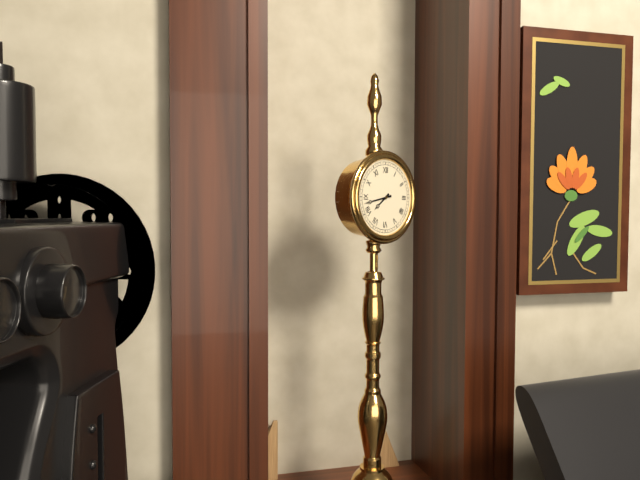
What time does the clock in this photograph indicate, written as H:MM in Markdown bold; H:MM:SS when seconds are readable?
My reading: **7:43**
